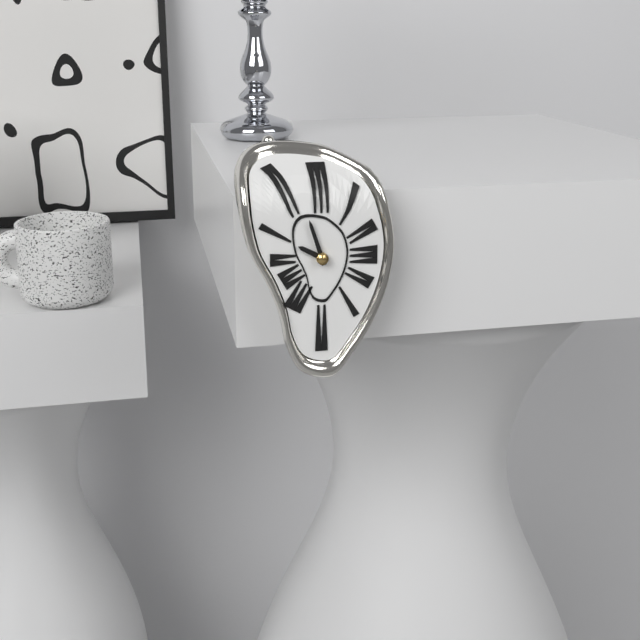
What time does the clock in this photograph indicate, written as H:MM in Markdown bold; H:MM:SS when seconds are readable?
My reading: **9:57**
